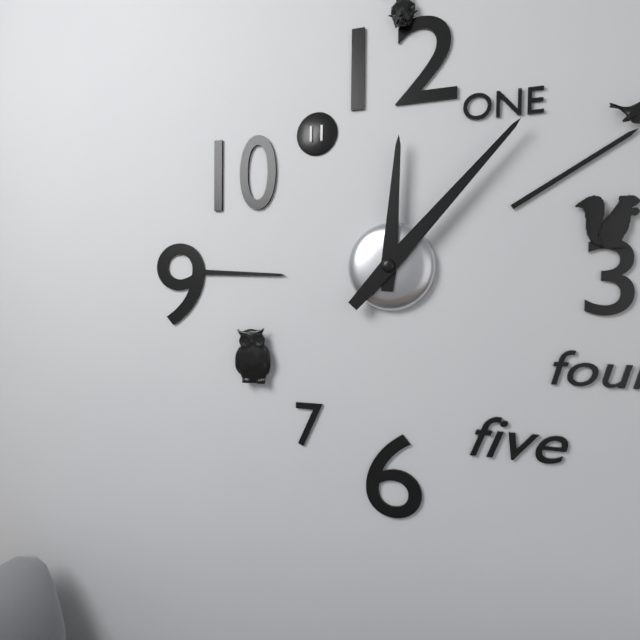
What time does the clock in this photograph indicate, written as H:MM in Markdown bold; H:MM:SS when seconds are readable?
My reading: **12:07**
